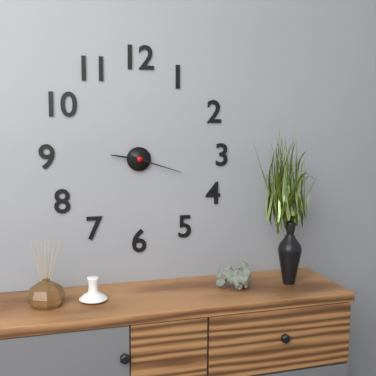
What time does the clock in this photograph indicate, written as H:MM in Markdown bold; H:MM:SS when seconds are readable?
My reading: **9:18**
